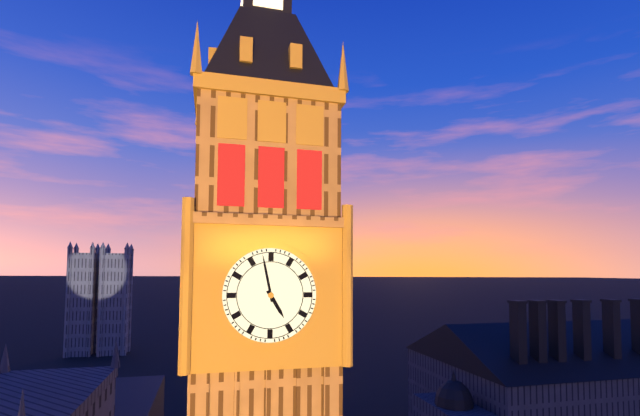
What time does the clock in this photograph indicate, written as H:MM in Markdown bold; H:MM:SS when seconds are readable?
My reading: **4:58**
